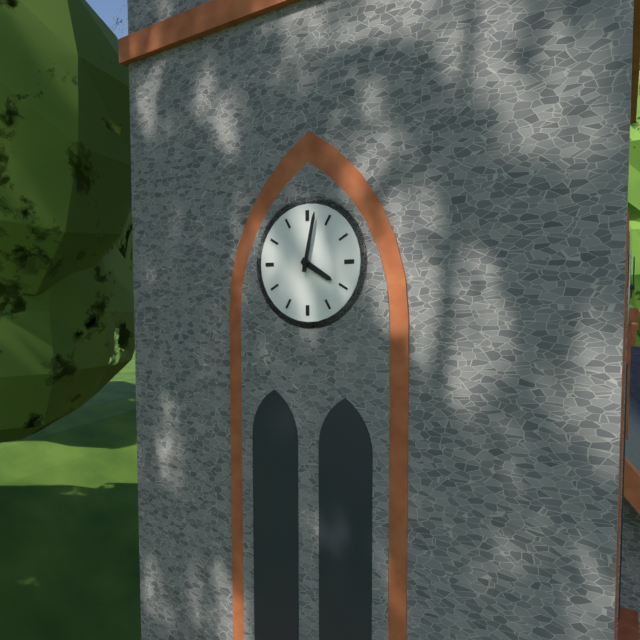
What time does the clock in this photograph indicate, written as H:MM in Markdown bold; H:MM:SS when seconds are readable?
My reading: **4:02**
